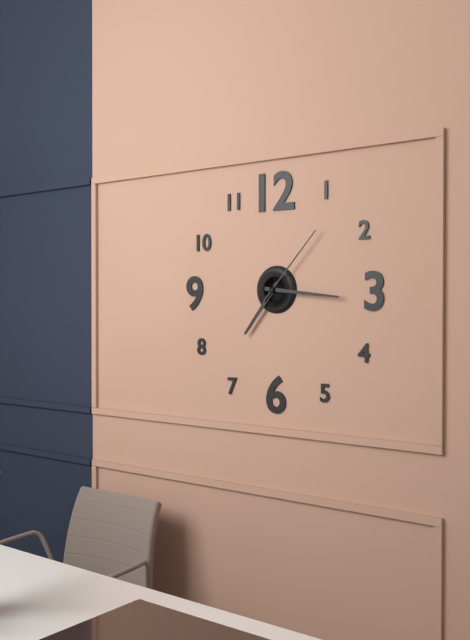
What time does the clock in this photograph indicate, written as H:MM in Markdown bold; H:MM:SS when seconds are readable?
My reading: **7:16:07**
